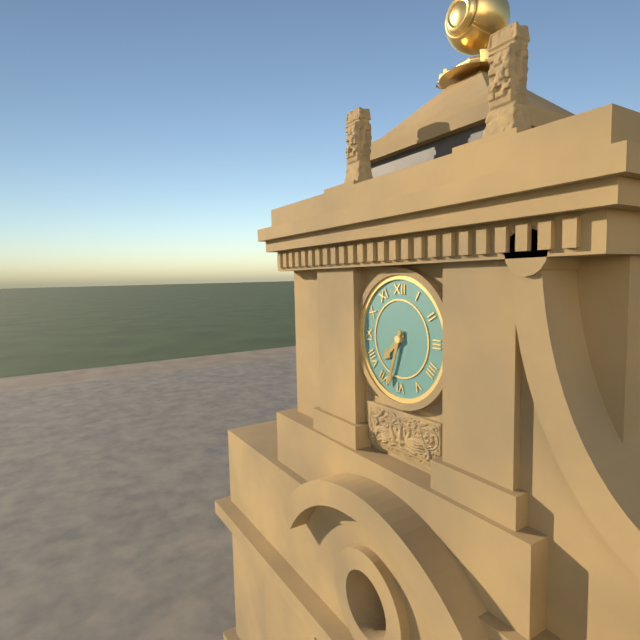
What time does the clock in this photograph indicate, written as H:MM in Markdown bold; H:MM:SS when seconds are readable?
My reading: **7:33**
